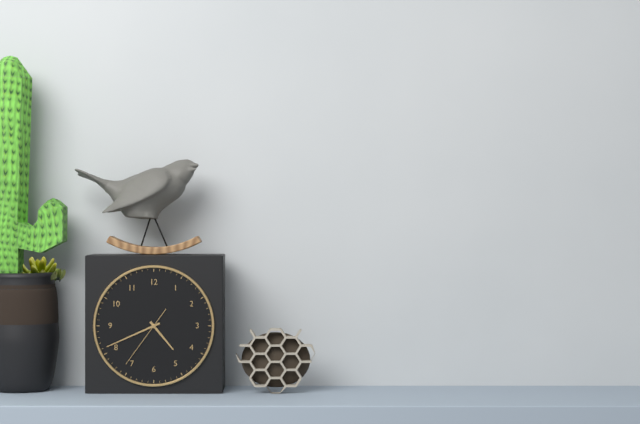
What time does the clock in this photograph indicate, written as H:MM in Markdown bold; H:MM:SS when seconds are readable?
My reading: **4:41:36**
